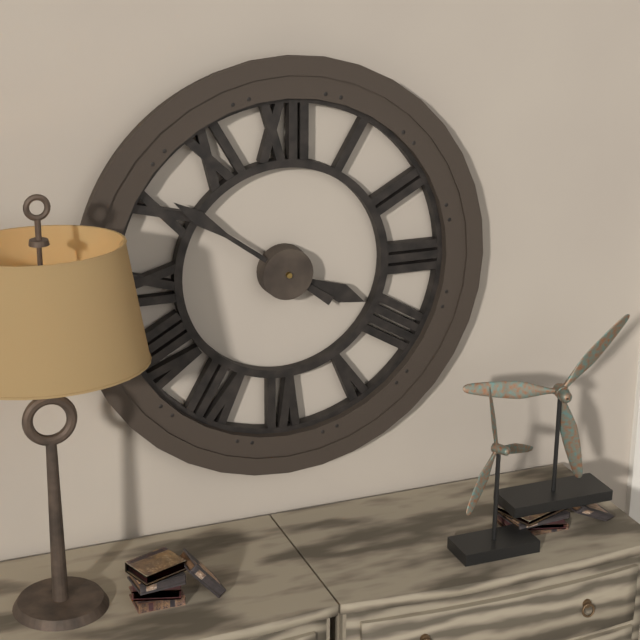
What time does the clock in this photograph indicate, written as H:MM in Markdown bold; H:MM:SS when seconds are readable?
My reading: **3:51**
